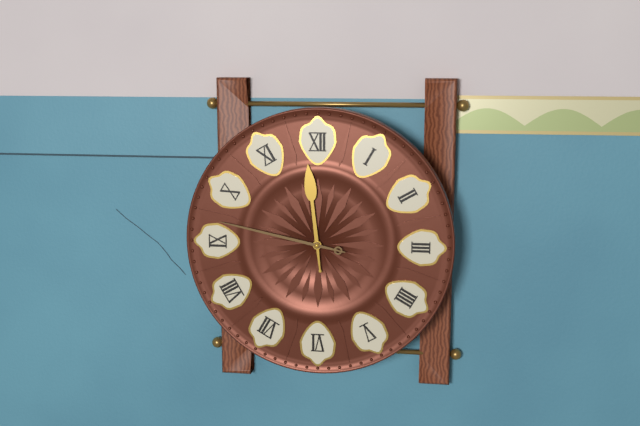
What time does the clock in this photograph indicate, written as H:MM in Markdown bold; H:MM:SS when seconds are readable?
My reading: **11:47**
